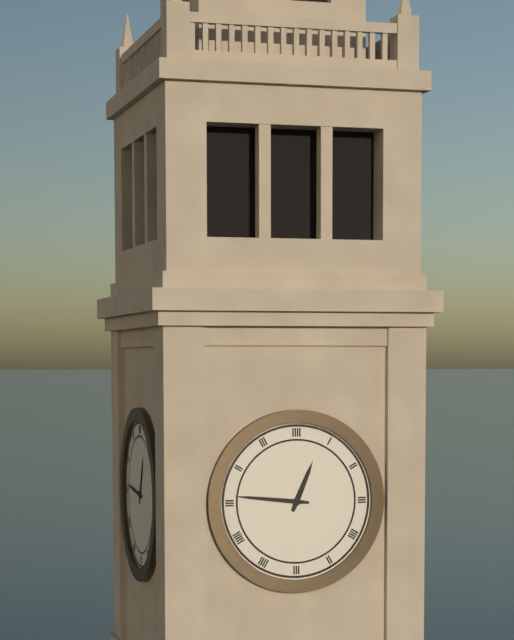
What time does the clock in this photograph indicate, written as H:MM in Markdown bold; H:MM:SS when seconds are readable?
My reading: **12:46**
